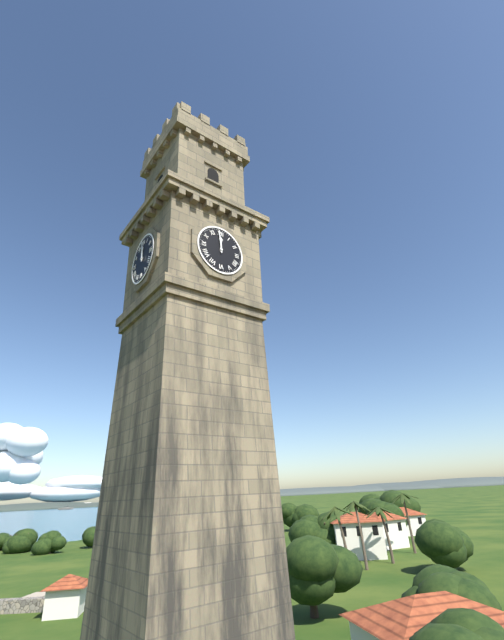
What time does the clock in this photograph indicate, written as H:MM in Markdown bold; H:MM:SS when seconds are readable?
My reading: **11:59**
